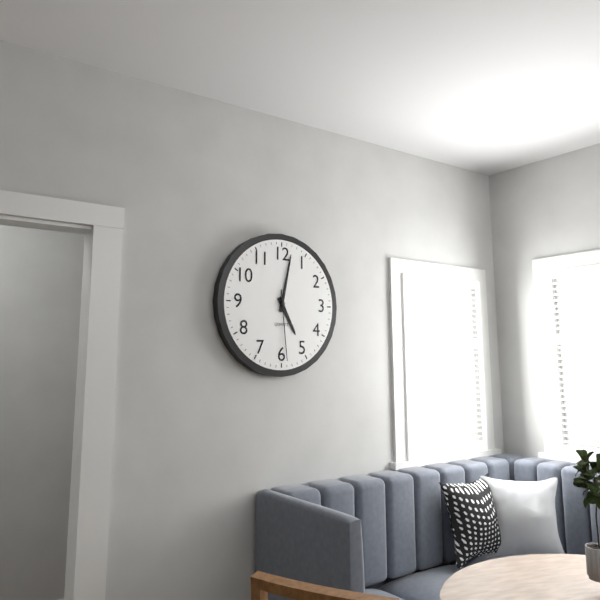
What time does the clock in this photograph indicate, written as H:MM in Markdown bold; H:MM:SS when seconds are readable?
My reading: **5:02:29**
